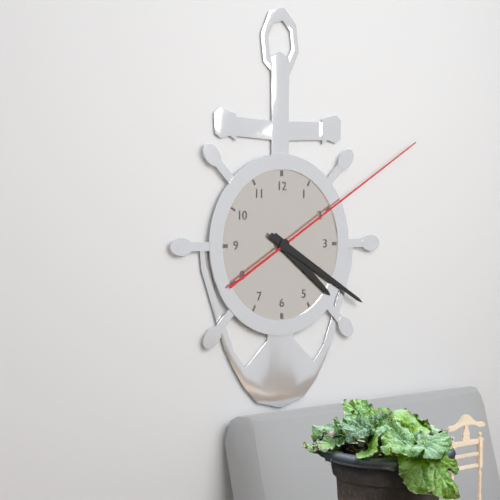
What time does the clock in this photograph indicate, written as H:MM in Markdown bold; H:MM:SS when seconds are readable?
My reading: **4:20:10**
